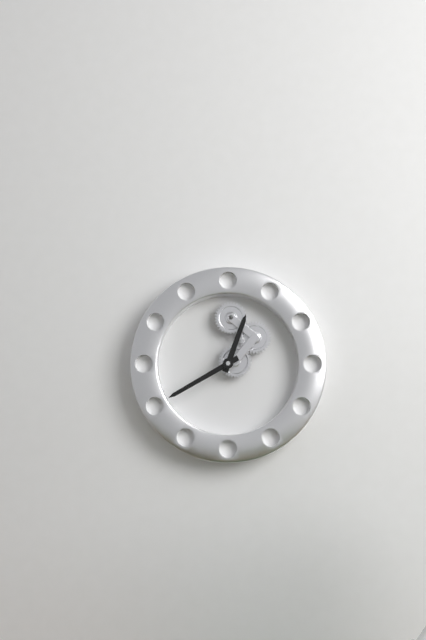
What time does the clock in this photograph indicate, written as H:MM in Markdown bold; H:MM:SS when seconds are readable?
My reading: **12:40**
